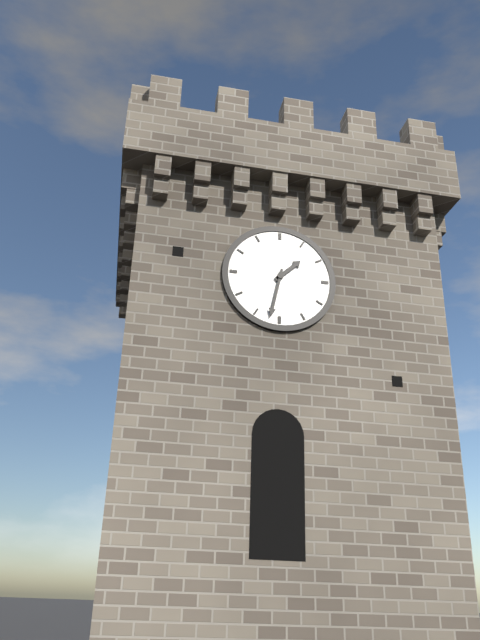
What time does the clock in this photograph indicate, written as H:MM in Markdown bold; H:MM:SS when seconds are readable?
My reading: **1:32**
